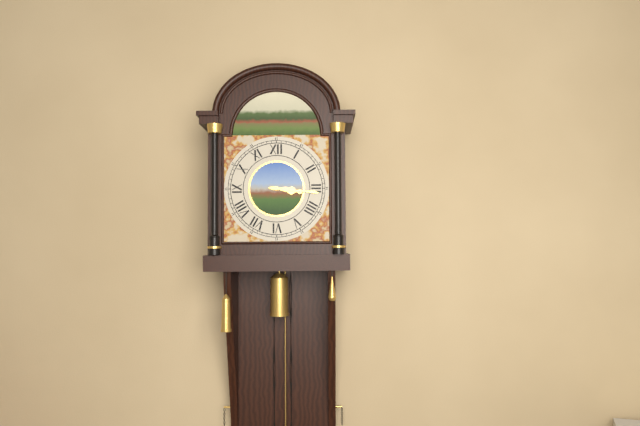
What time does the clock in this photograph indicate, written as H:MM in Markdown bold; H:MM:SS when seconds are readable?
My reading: **3:16**
